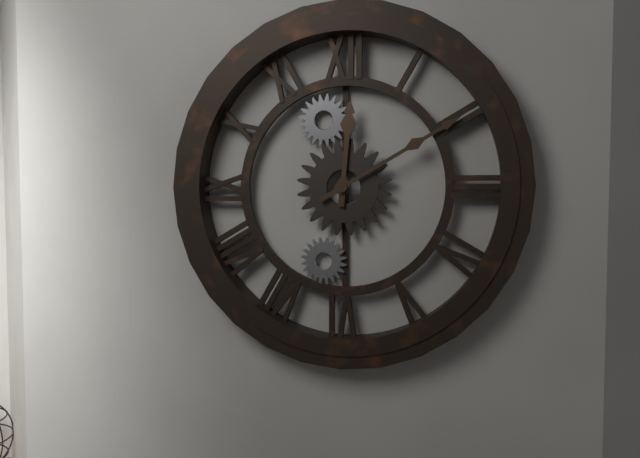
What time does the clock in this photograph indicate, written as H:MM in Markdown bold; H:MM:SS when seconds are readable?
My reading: **12:10**
